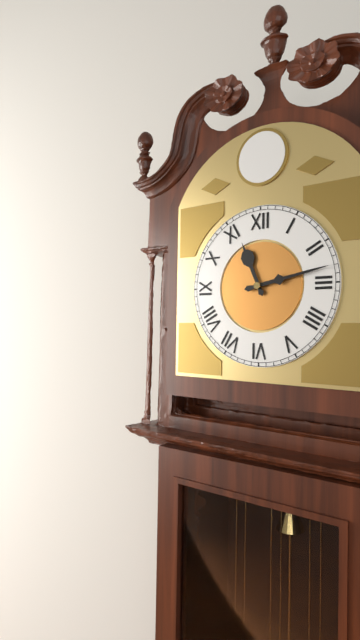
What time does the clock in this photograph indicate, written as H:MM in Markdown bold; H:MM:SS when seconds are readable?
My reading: **11:13**
